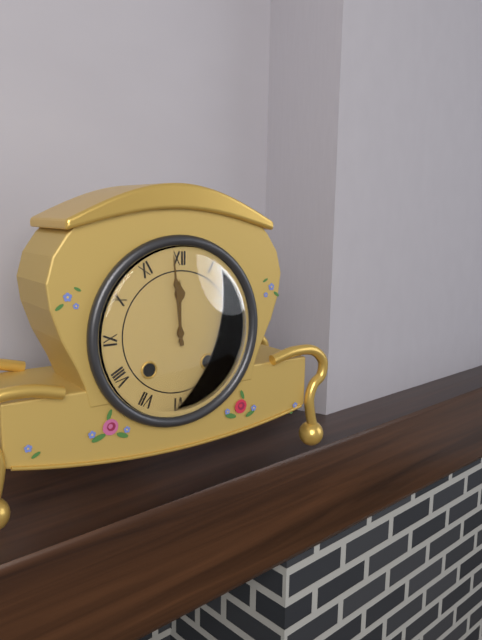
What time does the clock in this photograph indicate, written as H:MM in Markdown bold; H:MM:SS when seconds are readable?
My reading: **11:59**
